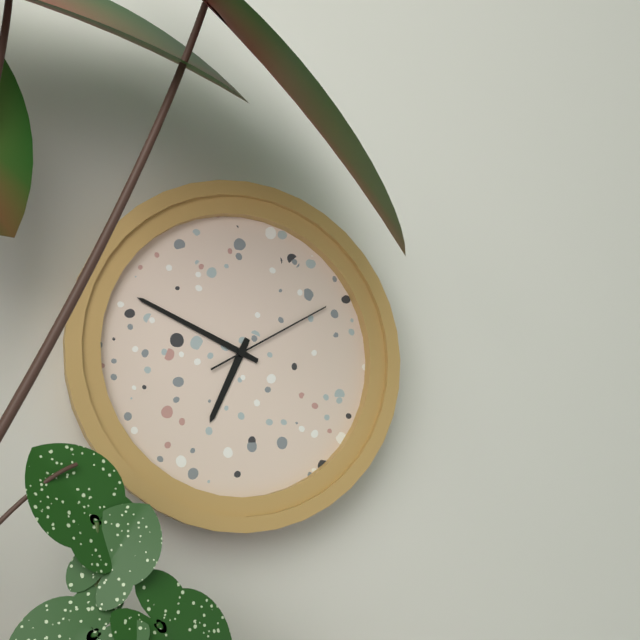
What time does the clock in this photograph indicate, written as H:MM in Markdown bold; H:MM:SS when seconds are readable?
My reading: **6:49:10**
